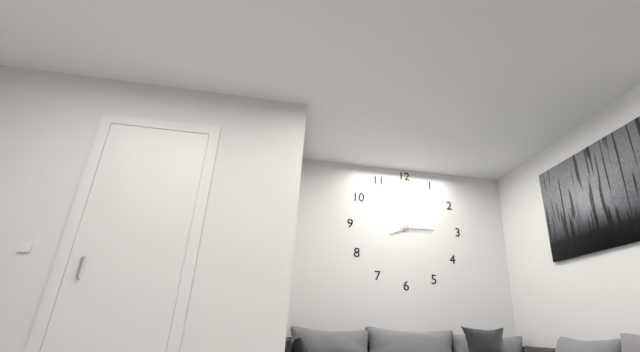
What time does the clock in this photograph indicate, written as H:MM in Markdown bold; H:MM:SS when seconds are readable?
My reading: **8:15**
